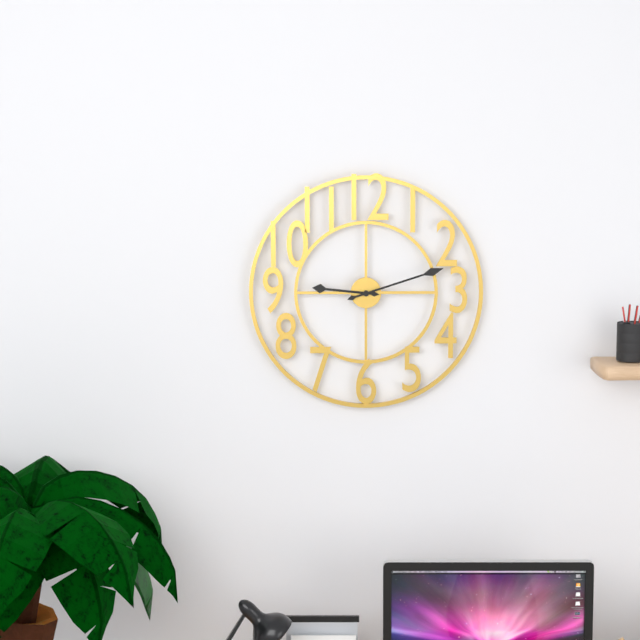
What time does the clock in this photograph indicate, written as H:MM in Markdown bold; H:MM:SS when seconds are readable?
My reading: **9:12**
